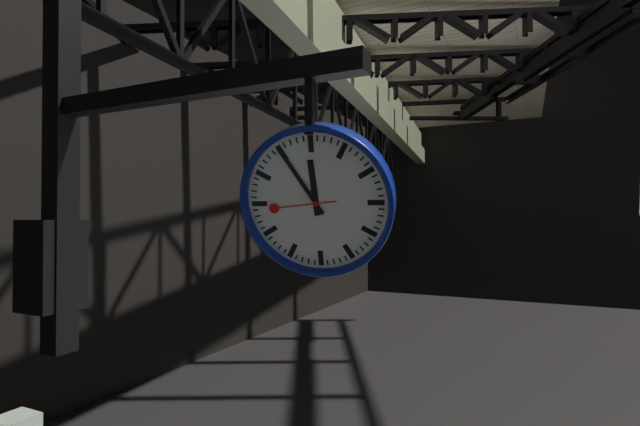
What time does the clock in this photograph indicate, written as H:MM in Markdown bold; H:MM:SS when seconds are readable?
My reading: **11:55:44**
